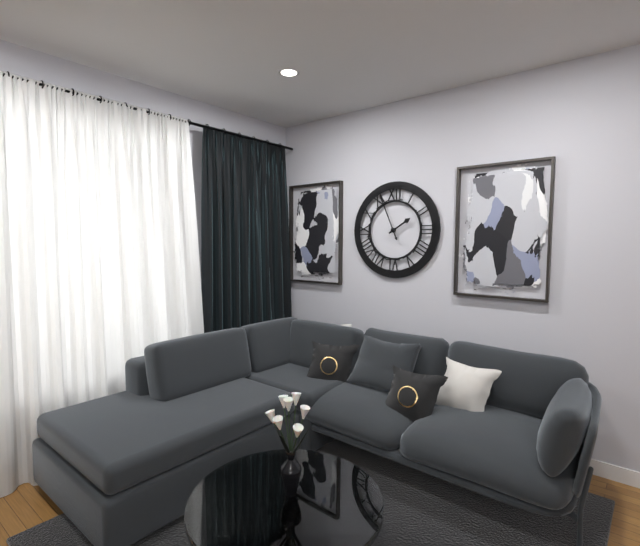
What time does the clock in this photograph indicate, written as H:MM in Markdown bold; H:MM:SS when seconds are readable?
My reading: **1:56**
